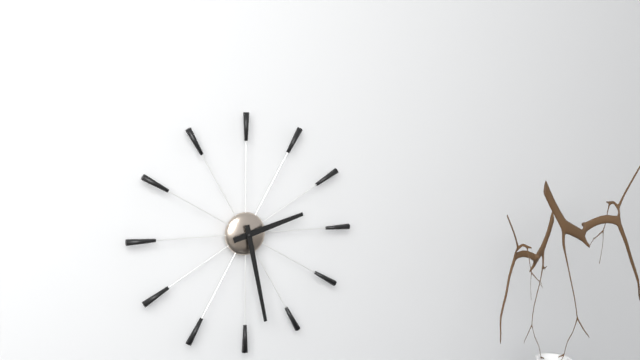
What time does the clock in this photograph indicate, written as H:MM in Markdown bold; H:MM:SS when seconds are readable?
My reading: **2:28**
